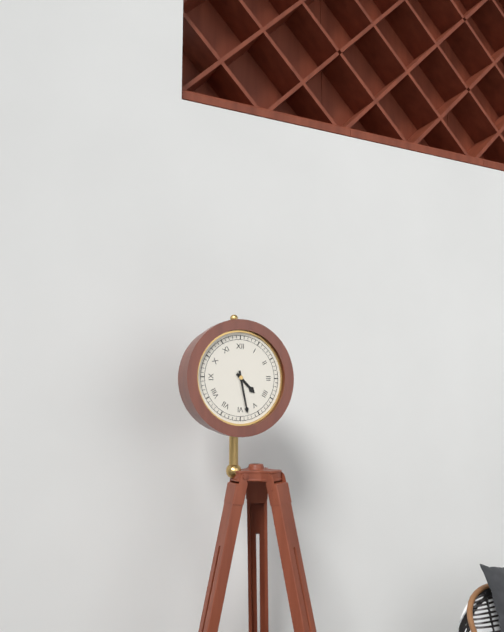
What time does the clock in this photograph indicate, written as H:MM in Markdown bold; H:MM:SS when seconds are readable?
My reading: **4:28**
